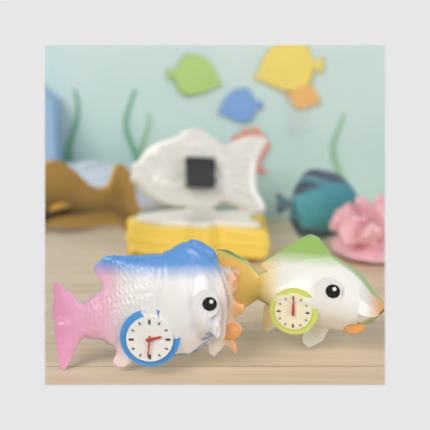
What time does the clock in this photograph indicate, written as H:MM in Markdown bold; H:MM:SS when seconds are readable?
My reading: **2:31**
